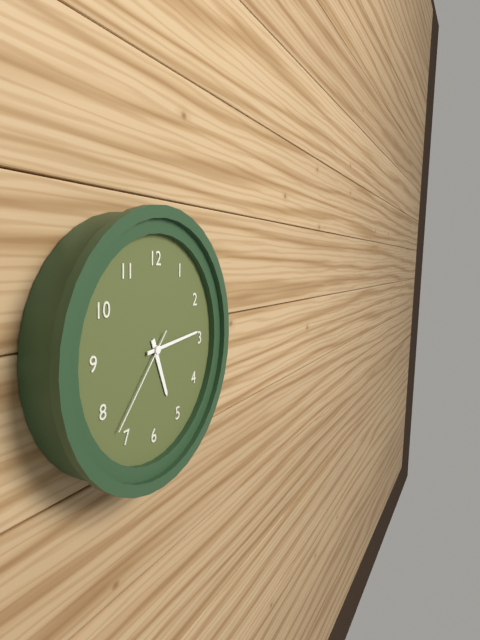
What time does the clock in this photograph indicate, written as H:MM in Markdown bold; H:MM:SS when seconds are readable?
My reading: **5:14:37**
